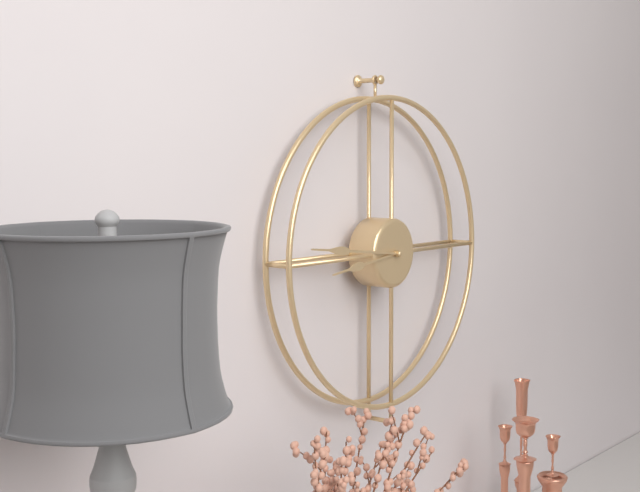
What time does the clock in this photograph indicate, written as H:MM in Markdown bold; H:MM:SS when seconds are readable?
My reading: **8:46**
